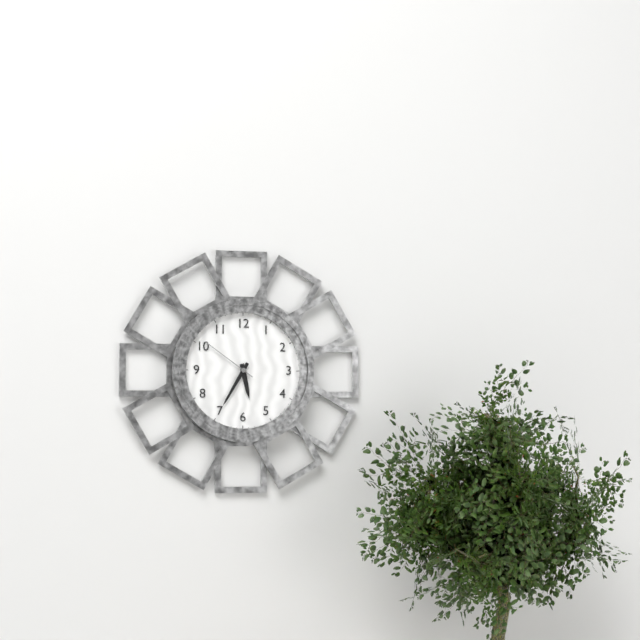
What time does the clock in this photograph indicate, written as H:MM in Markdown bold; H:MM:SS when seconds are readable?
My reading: **5:35:51**
